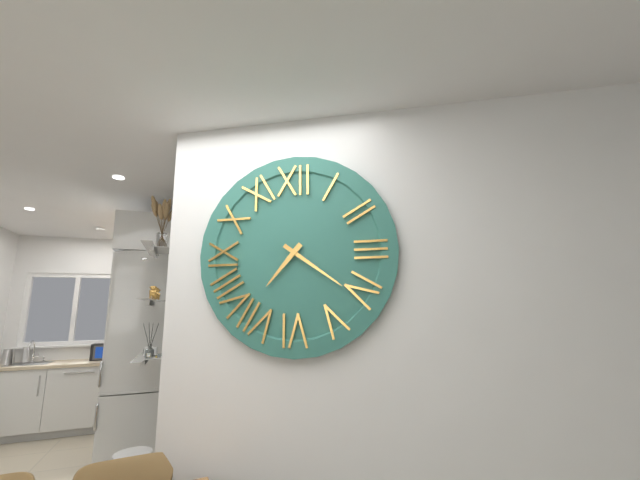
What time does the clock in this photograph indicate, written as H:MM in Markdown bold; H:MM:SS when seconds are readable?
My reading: **7:21**
